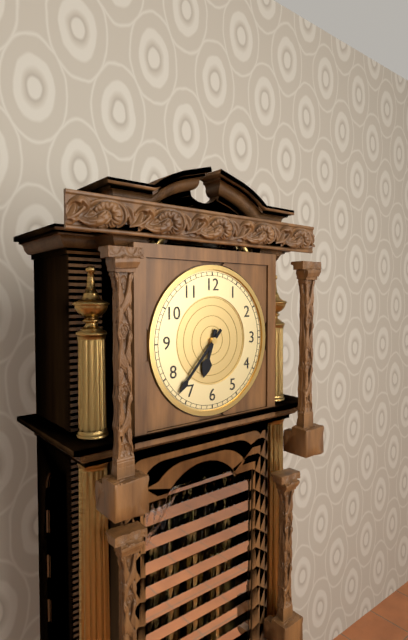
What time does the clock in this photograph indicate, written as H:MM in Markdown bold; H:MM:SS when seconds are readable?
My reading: **6:37**
